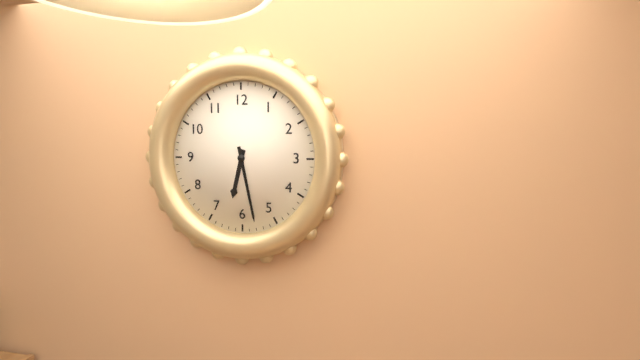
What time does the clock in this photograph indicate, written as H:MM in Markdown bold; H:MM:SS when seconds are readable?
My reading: **6:28**
